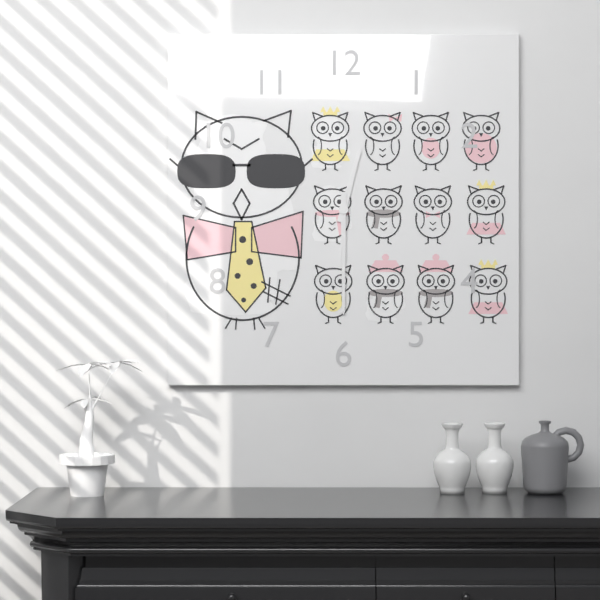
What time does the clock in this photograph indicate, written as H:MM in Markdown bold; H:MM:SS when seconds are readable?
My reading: **12:30**
